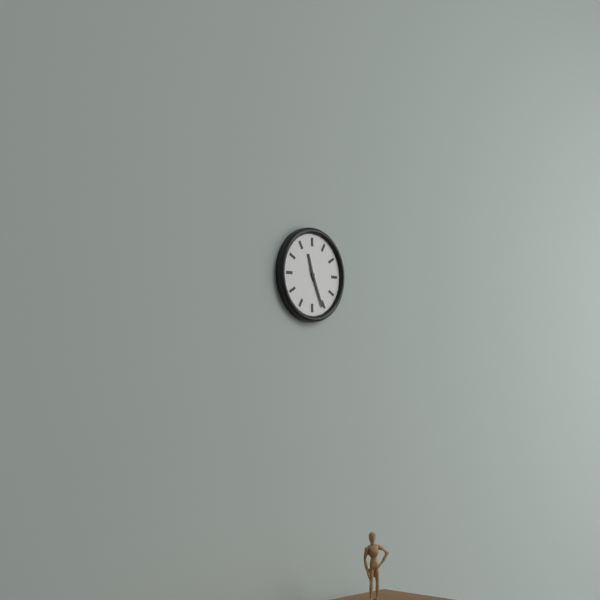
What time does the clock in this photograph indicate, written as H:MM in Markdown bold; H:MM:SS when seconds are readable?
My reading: **11:26**
